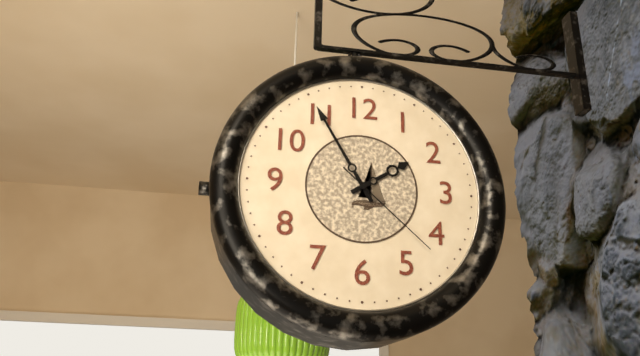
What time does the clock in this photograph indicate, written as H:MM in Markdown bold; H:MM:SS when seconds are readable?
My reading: **1:55:22**
